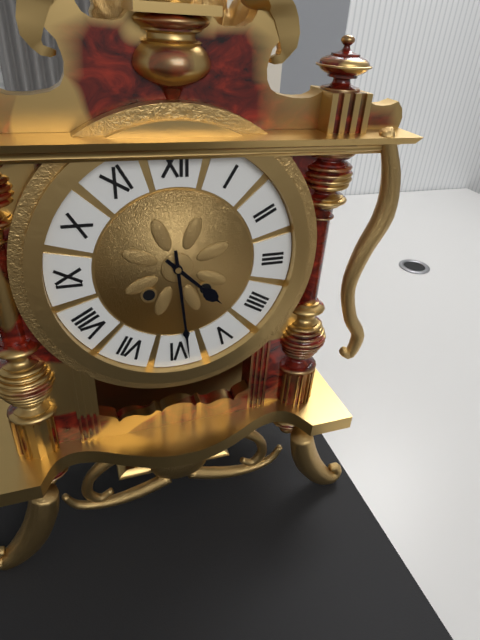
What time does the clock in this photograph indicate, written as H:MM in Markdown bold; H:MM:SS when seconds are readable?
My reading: **4:29**
